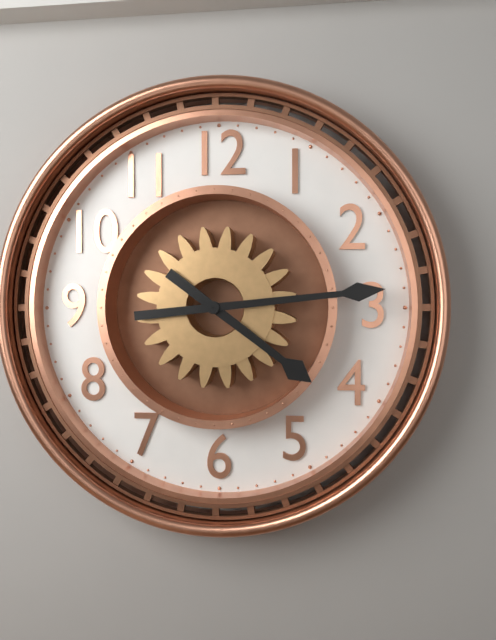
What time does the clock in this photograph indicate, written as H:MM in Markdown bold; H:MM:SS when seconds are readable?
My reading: **4:14**
